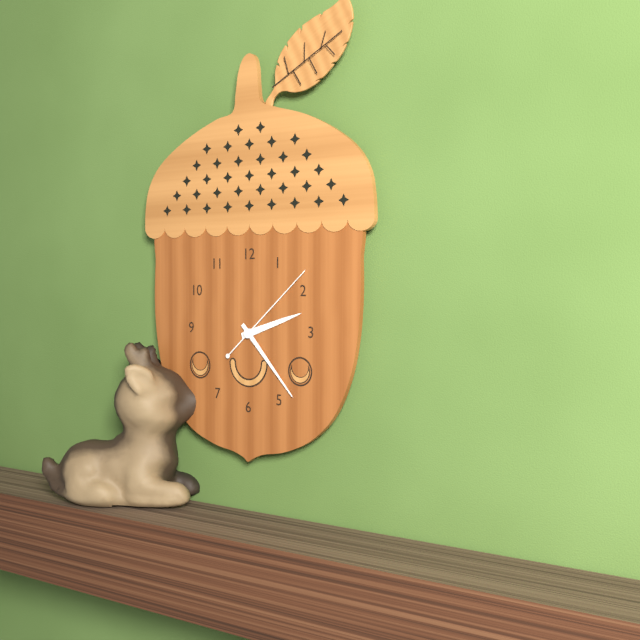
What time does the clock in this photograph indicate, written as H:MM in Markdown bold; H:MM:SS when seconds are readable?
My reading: **2:23:08**
